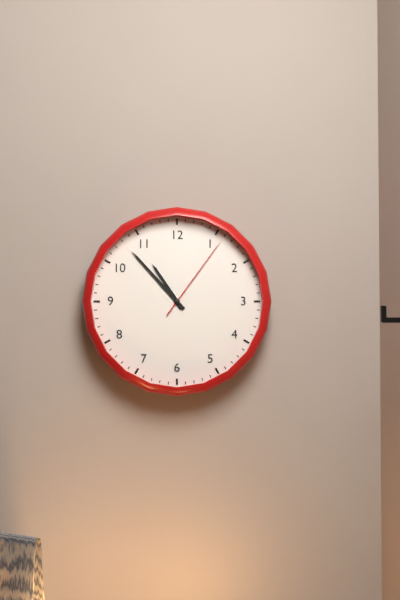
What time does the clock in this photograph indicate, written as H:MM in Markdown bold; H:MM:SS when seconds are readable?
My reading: **10:53:06**
